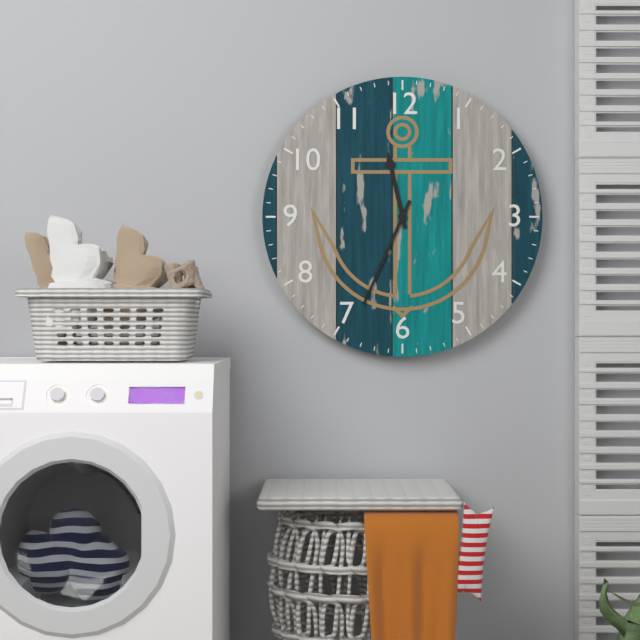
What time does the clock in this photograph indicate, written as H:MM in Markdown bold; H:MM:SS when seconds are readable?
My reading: **11:34**
